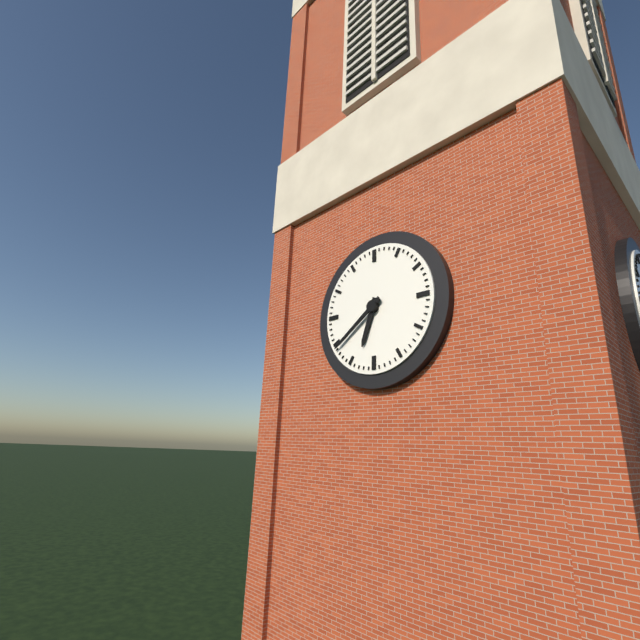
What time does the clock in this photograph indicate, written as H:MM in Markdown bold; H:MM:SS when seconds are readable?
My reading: **6:39**
